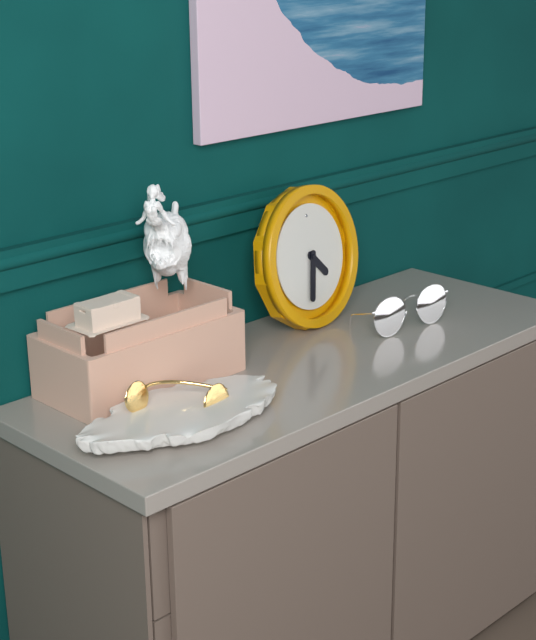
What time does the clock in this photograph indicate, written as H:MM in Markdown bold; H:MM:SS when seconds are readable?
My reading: **4:32**
